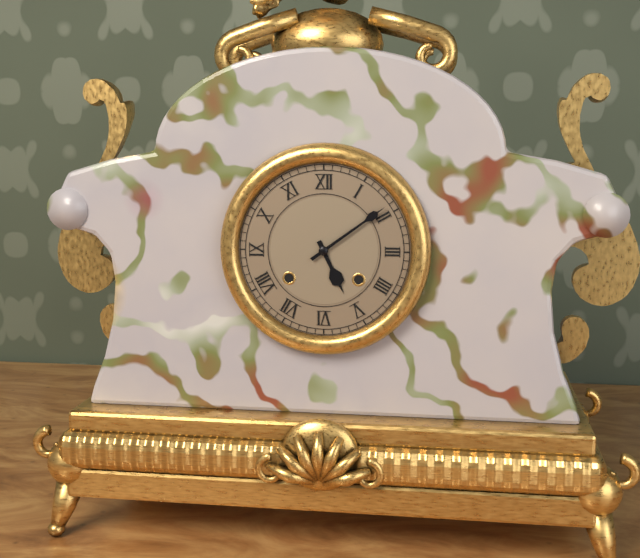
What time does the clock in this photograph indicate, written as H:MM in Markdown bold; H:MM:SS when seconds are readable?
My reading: **5:09**
